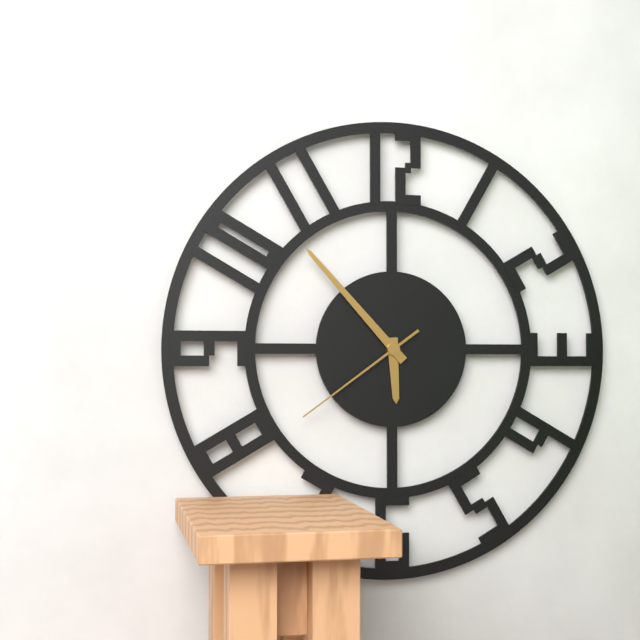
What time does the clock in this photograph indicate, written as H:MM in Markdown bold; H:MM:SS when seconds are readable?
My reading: **5:53:39**
